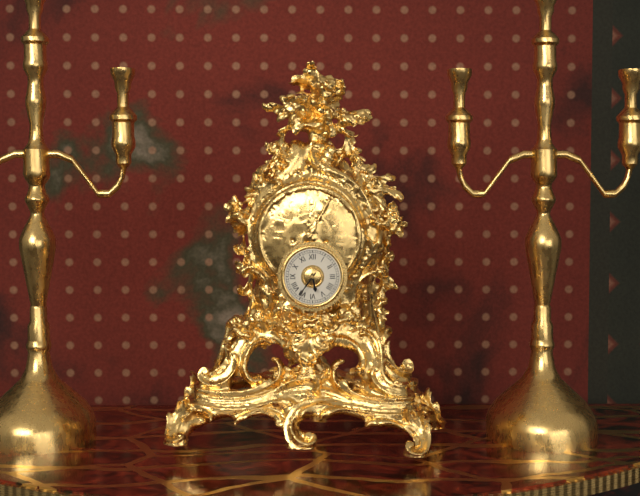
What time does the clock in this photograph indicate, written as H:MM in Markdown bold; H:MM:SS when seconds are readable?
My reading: **5:36**
